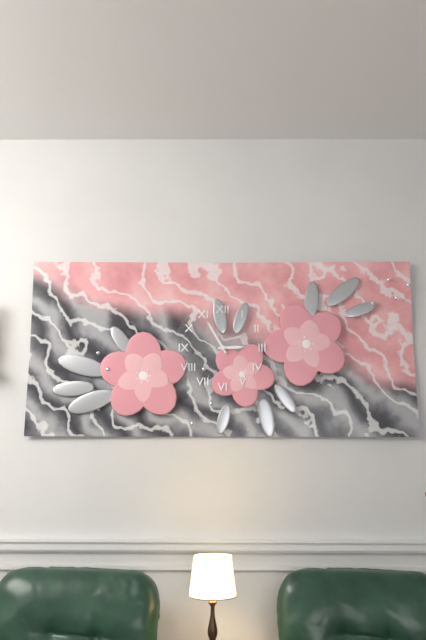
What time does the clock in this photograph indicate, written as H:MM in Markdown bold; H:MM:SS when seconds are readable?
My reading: **2:55**
